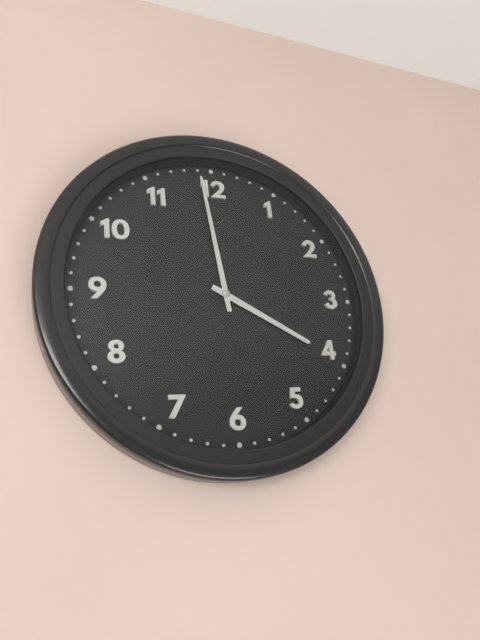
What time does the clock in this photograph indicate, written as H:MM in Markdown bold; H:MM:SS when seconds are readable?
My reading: **3:59**
